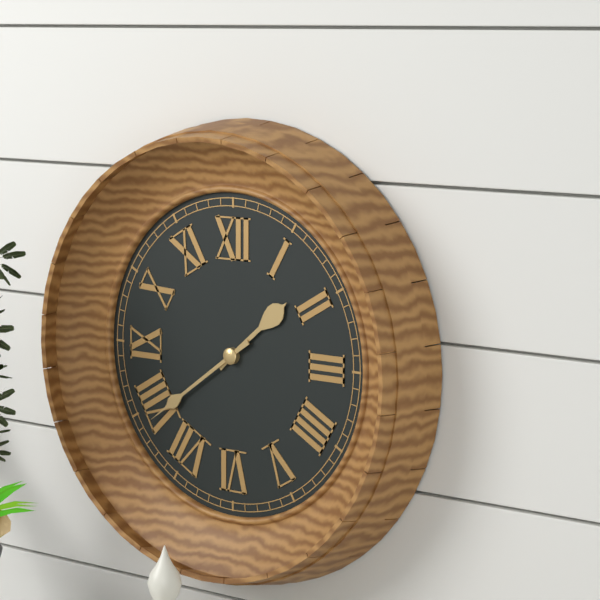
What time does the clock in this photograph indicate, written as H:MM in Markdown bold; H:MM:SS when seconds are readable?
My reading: **1:39**
